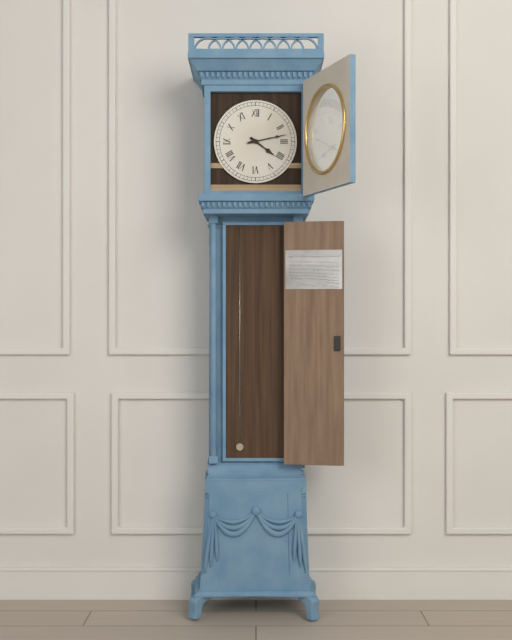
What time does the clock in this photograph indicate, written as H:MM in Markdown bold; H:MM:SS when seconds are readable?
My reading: **4:13**
